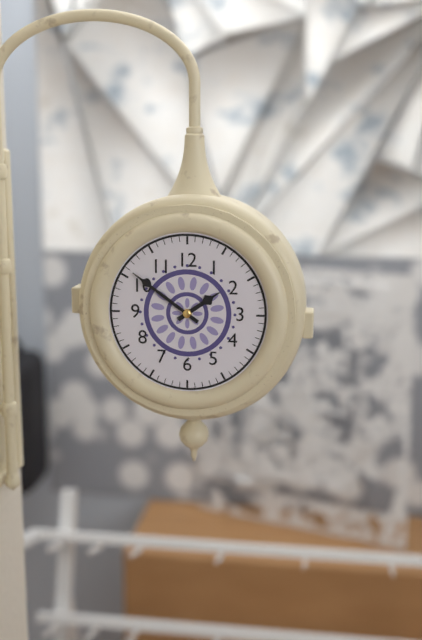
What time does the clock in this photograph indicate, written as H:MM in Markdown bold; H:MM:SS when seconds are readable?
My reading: **1:51**
